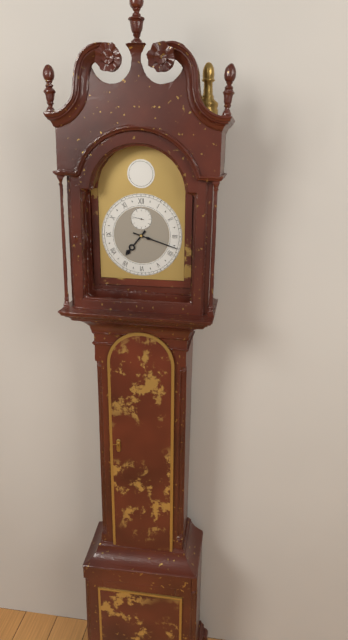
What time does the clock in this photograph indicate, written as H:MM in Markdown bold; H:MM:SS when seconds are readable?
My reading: **7:18**
